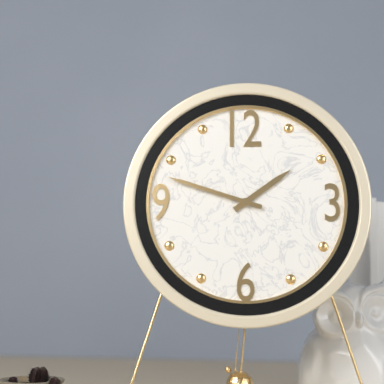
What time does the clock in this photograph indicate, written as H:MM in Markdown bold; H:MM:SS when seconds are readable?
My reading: **1:48**
